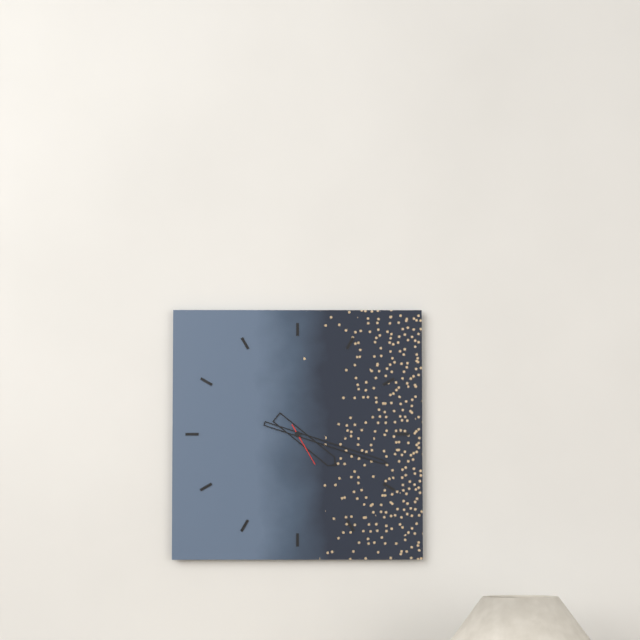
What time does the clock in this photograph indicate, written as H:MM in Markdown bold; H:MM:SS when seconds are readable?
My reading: **4:18**
